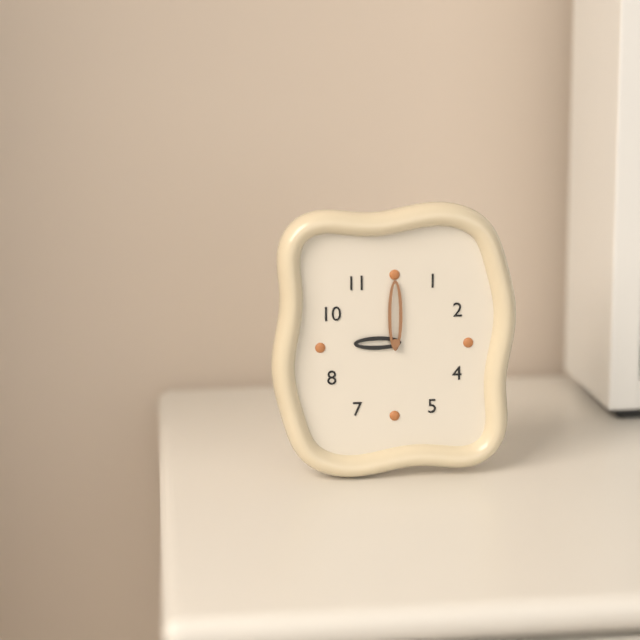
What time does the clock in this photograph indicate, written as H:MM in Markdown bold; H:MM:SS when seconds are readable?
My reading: **9:00**
